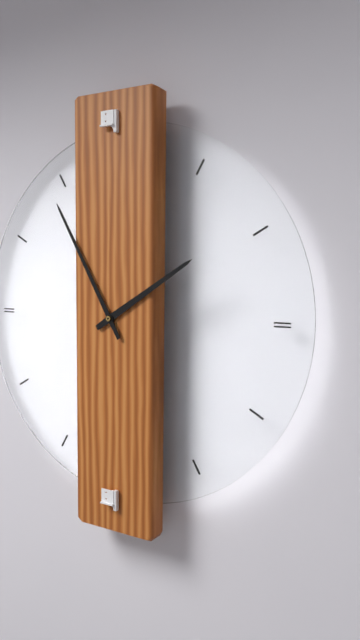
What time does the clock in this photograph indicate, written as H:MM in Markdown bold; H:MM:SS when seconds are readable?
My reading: **1:55**
